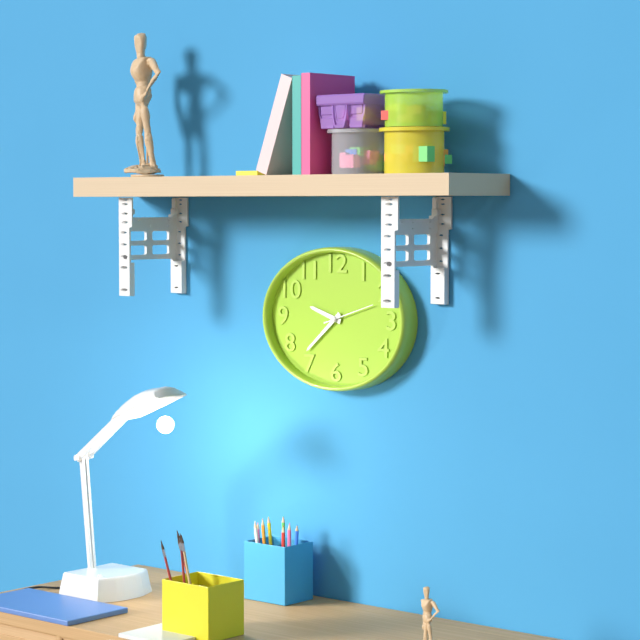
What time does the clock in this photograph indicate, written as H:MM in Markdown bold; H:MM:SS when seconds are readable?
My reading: **9:38:12**
